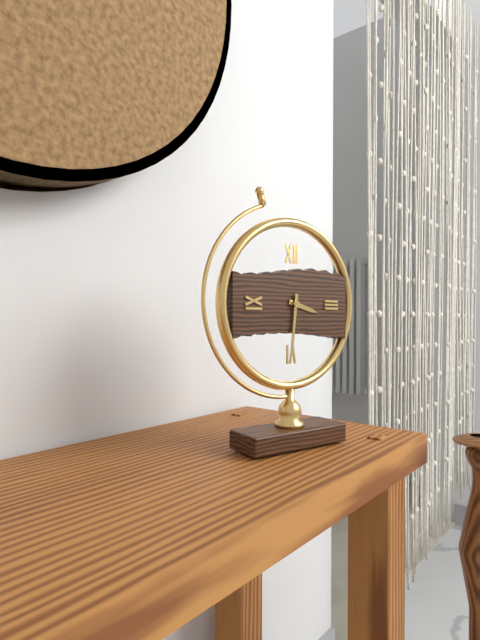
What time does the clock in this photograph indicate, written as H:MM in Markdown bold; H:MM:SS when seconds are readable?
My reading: **3:31**
